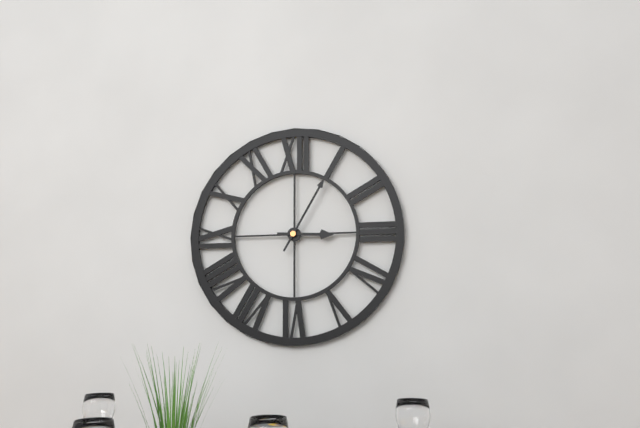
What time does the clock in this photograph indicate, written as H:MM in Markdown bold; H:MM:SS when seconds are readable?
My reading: **3:05**
